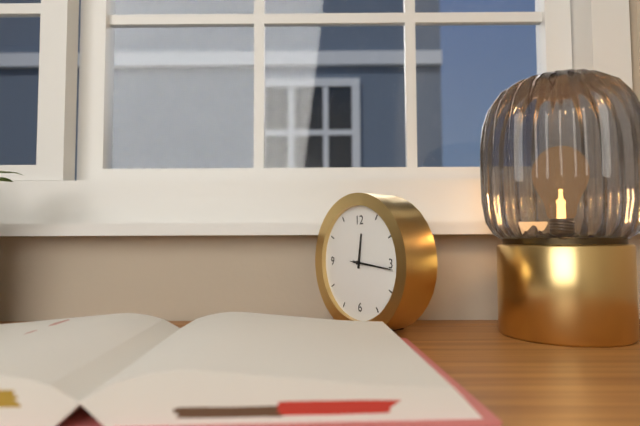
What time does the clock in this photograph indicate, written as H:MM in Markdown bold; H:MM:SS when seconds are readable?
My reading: **12:16**
